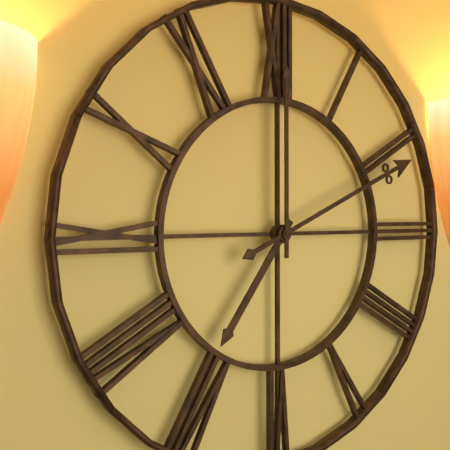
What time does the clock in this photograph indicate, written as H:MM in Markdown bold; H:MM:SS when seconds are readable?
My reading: **7:11:00**
